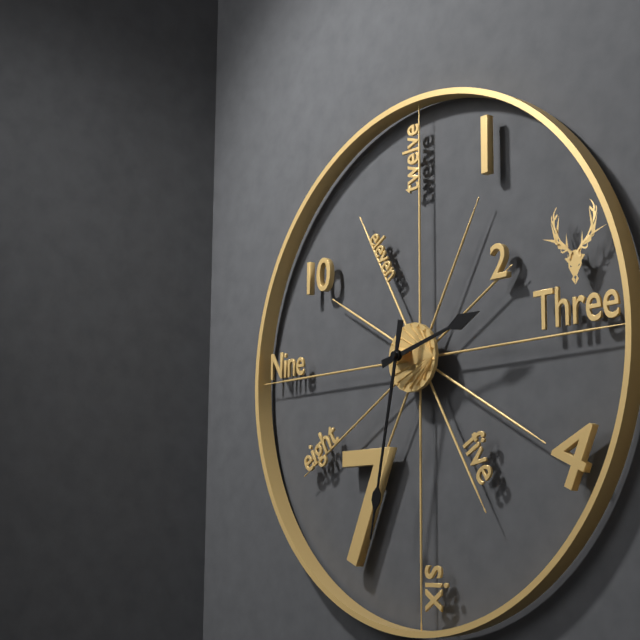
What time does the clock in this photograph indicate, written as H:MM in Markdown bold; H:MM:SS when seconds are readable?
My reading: **2:32**
